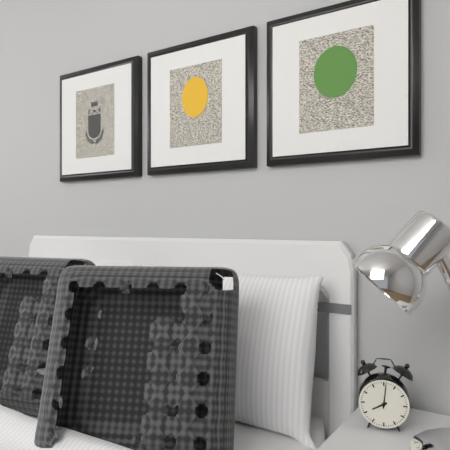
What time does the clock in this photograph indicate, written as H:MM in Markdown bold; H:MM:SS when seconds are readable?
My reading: **8:01**
